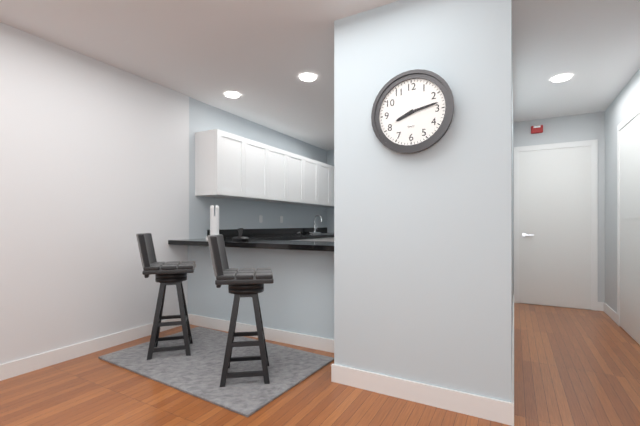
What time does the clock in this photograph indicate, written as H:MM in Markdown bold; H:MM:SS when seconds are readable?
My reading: **8:13**
